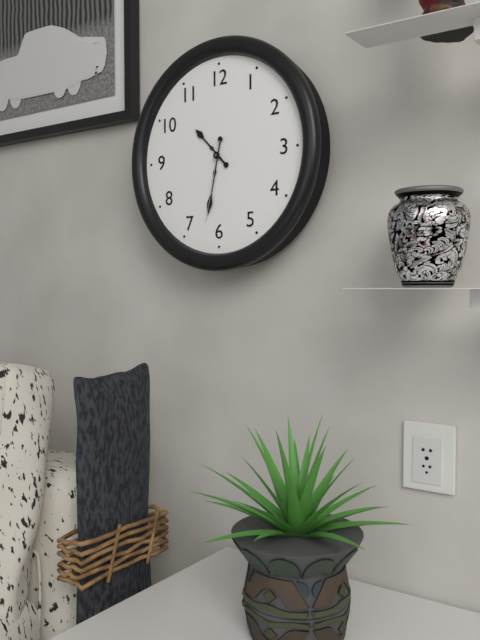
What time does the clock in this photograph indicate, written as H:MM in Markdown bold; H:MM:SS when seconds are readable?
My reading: **10:32:32**
